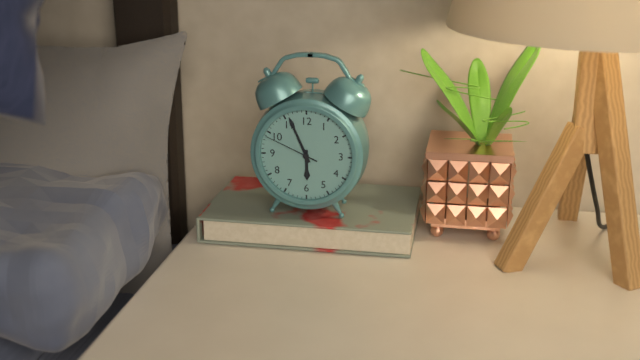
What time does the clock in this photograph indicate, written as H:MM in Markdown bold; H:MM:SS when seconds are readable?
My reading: **5:56:49**
